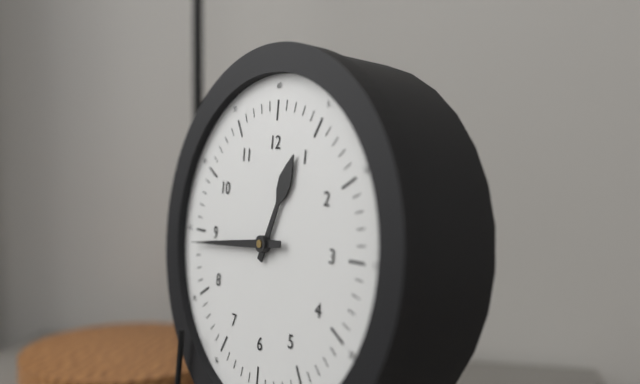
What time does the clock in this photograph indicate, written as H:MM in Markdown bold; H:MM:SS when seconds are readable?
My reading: **12:44**
